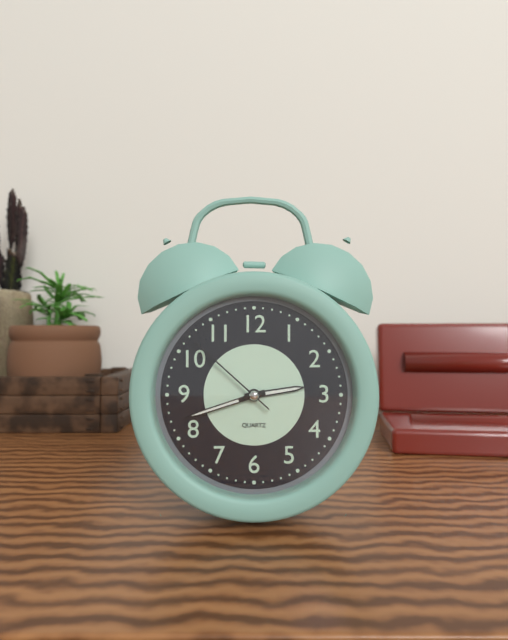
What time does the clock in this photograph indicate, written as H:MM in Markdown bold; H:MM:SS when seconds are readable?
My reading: **2:42:52**
